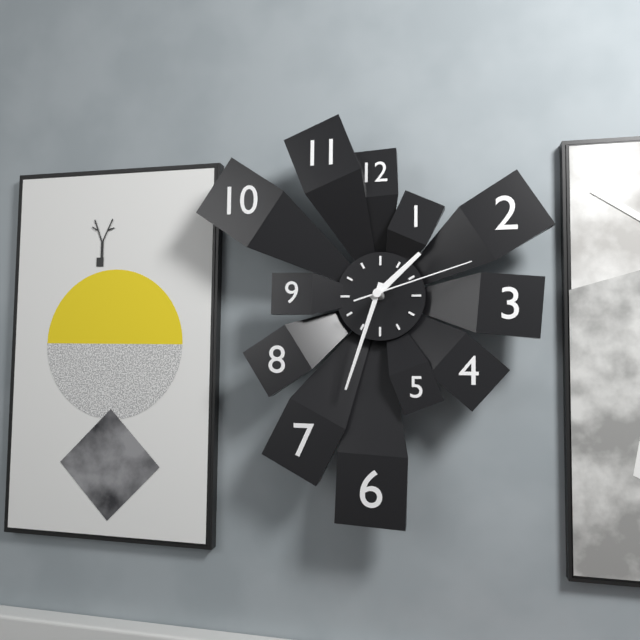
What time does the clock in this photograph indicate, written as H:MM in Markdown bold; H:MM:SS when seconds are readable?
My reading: **1:33:12**
